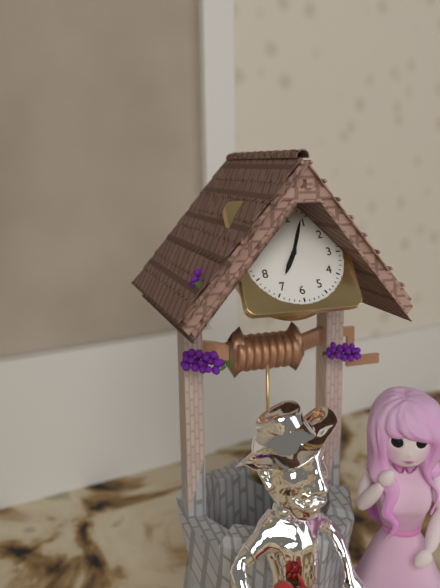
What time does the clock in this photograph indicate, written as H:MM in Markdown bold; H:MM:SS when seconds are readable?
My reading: **7:04**
